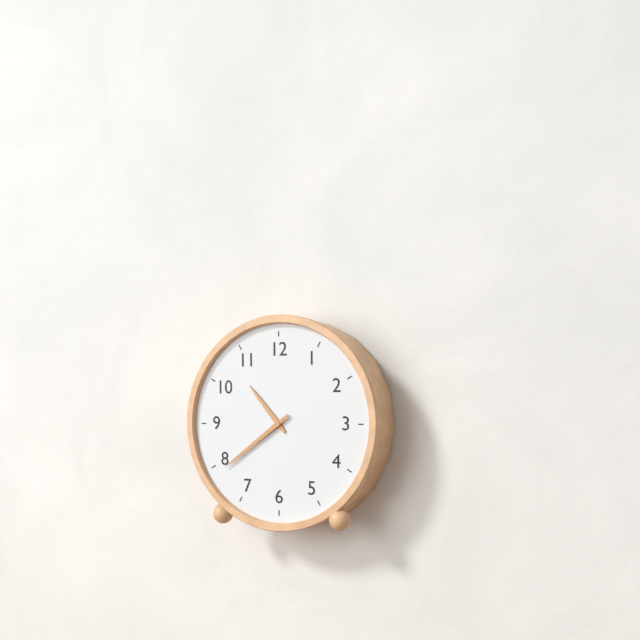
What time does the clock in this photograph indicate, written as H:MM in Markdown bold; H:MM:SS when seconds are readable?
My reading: **10:39**
